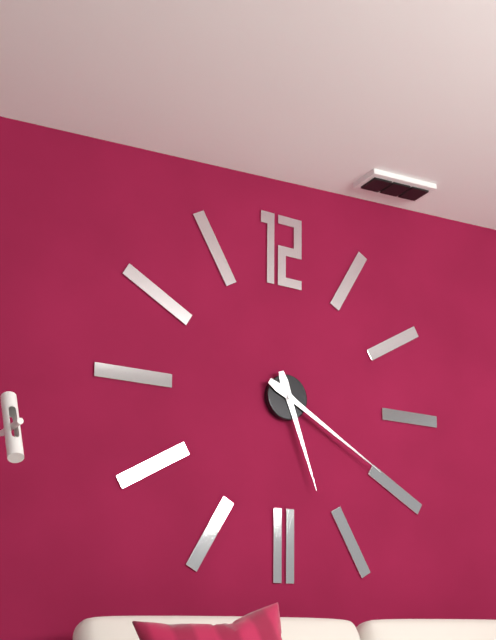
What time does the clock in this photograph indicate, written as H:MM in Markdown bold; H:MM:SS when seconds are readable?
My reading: **5:20**
